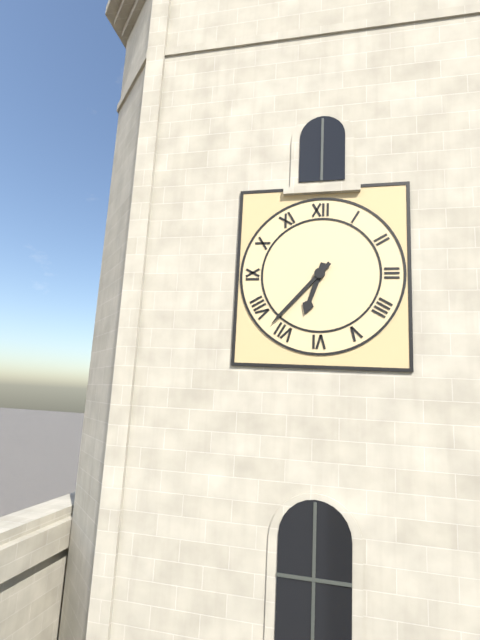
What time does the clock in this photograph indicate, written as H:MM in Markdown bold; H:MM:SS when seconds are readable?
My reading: **6:37**
